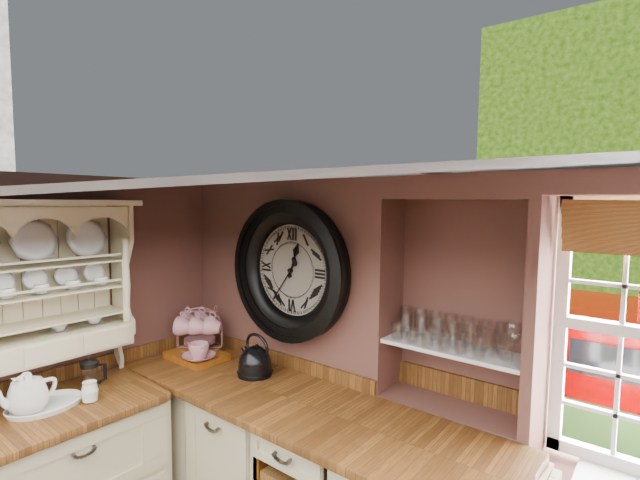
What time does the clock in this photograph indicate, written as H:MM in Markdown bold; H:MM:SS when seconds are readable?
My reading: **12:36**
